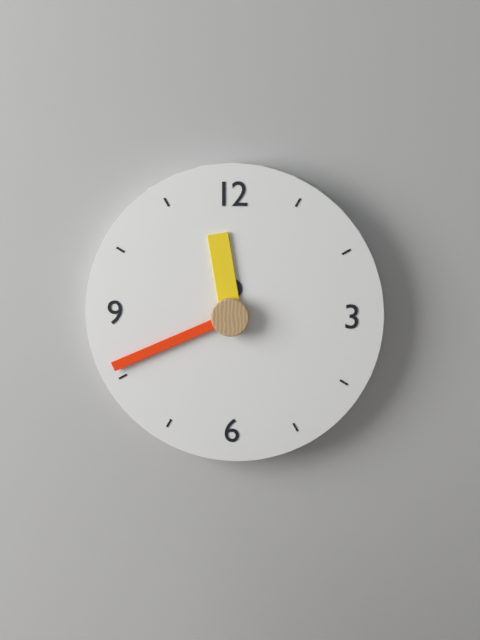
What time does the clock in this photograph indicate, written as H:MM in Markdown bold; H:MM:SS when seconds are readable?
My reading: **11:41**
